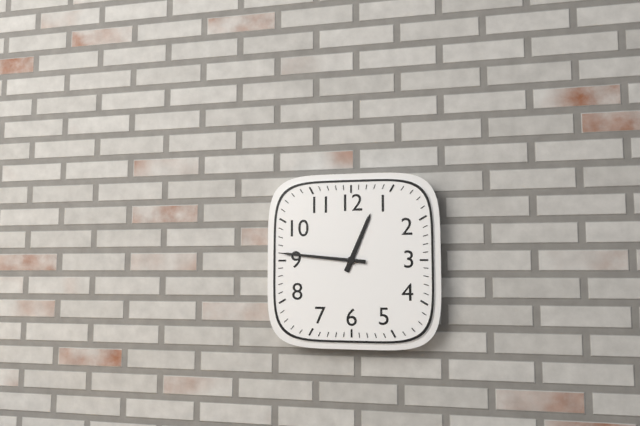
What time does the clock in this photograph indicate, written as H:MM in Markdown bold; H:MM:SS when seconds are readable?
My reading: **12:46**
